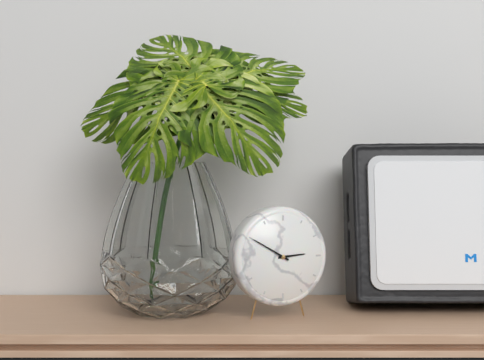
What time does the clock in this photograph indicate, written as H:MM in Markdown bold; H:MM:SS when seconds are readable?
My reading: **2:50**
